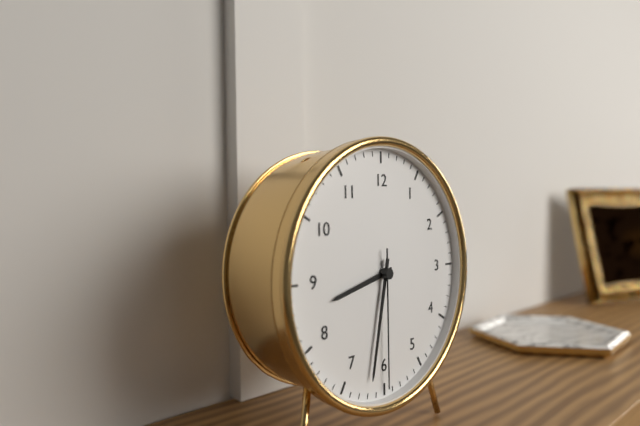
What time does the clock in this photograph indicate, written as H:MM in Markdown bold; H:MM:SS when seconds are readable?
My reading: **8:32:30**
